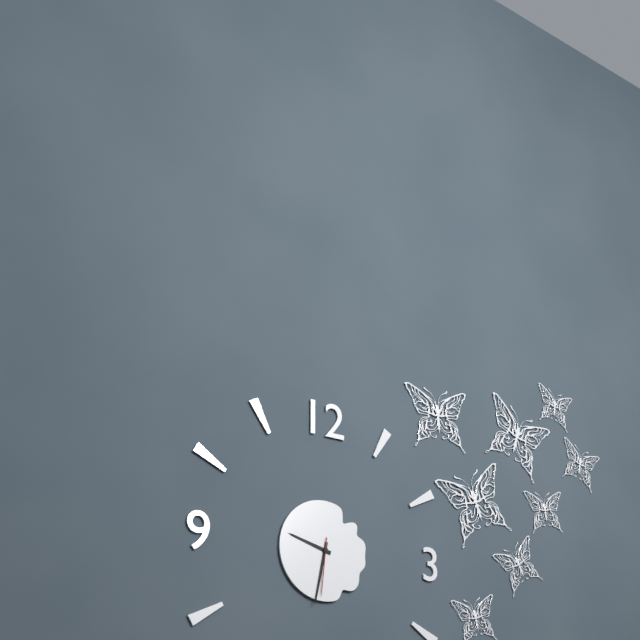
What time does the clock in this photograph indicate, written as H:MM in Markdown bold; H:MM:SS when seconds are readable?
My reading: **9:32:31**
